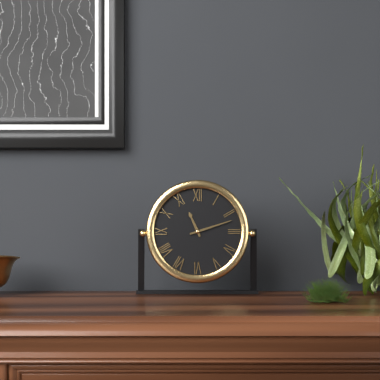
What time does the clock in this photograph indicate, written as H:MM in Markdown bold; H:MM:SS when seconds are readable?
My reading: **11:12**
